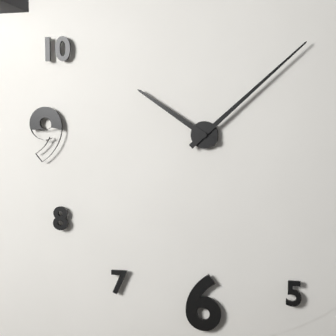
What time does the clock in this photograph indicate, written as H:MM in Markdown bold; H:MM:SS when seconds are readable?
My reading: **10:08**
